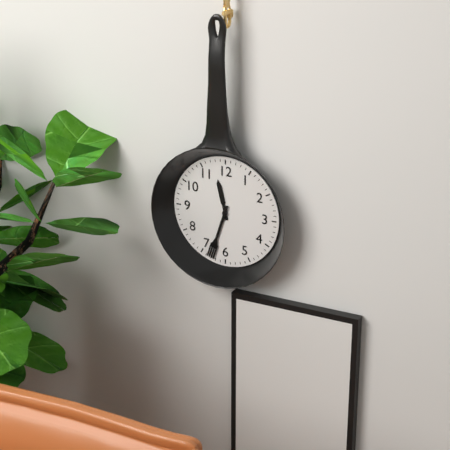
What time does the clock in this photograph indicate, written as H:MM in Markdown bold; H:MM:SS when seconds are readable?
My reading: **11:33**
